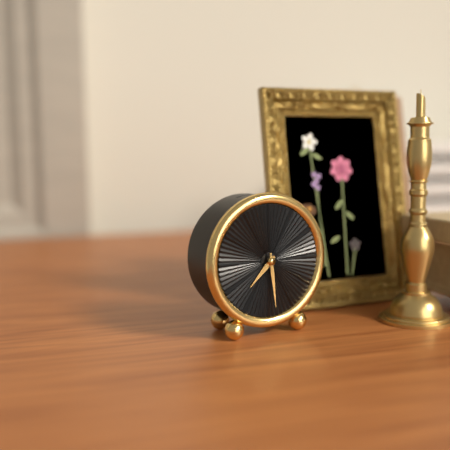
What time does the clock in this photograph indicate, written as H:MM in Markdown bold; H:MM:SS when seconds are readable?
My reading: **7:29**
